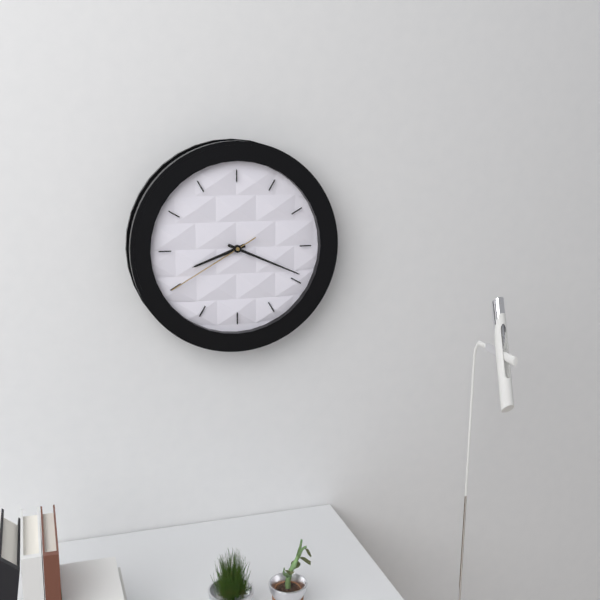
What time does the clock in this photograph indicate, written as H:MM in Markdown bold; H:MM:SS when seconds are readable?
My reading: **8:19:40**
